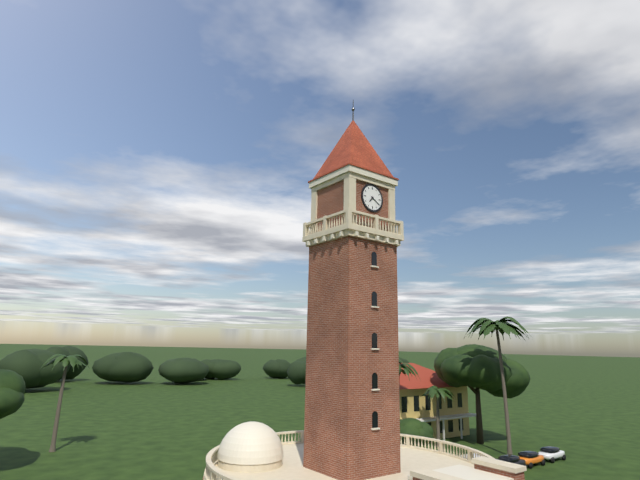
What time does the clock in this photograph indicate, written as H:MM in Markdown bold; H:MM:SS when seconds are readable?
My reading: **7:20**
